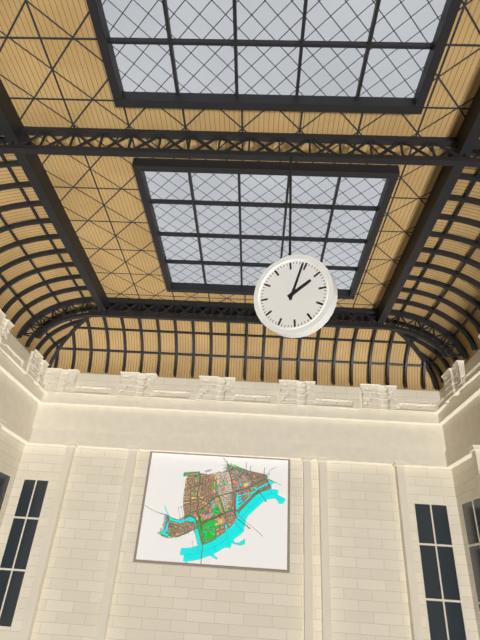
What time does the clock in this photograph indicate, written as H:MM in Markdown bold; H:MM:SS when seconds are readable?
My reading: **2:04**
